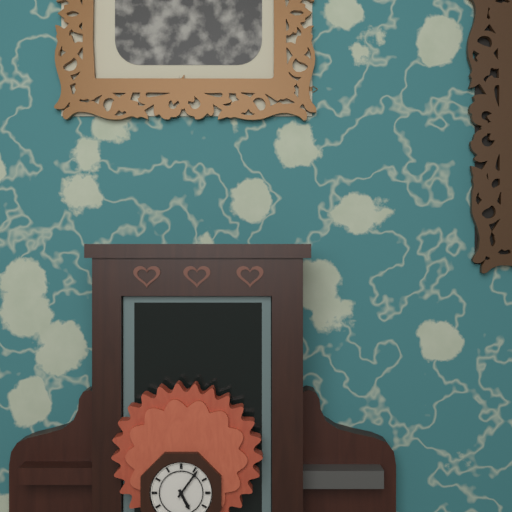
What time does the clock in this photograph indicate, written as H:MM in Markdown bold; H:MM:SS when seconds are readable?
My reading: **5:06**
